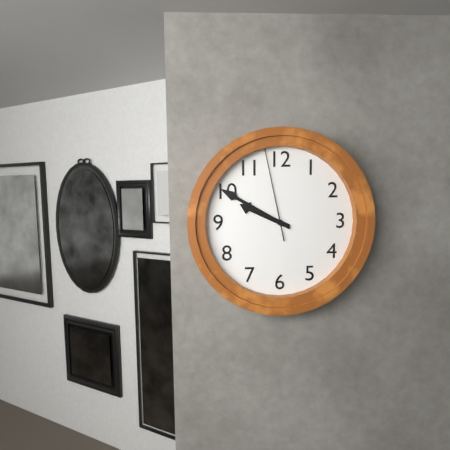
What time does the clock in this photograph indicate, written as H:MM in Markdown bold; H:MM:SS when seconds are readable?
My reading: **9:50:58**
